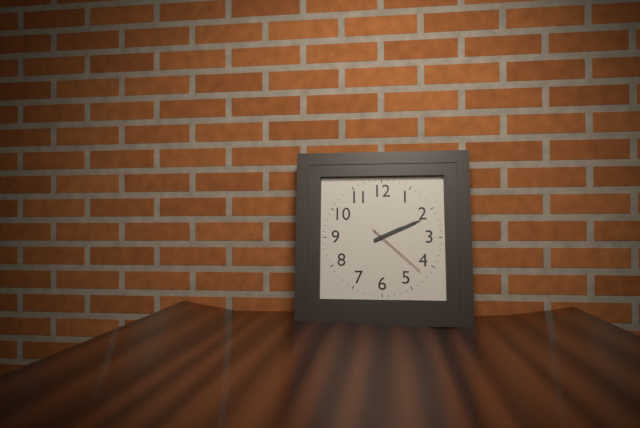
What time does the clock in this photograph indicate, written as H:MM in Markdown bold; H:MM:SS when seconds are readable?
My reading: **2:11:22**
